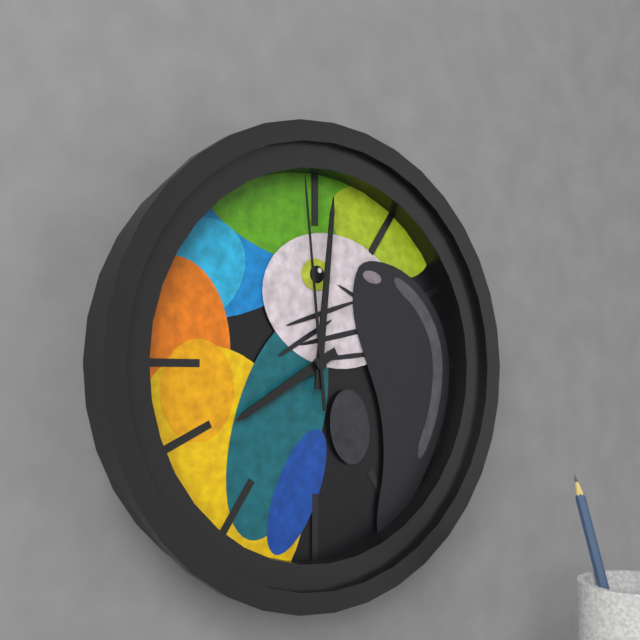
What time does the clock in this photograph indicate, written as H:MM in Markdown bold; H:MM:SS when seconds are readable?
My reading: **8:01:59**
